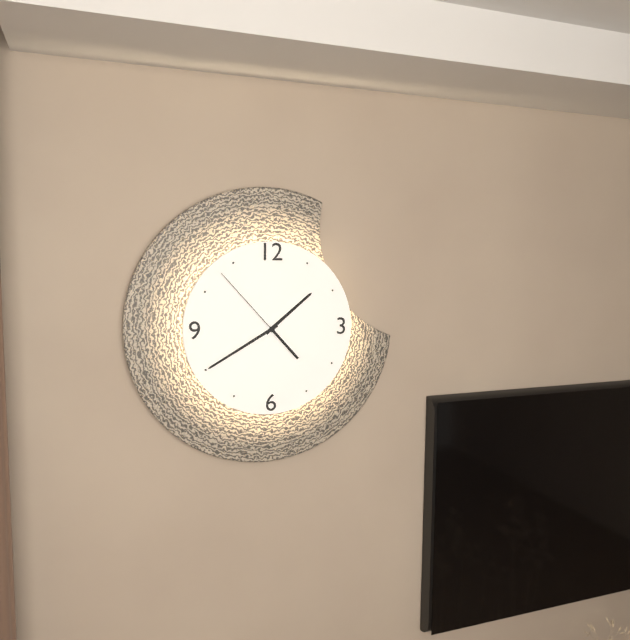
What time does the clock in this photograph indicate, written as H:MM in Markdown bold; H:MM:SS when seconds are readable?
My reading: **1:40:53**
